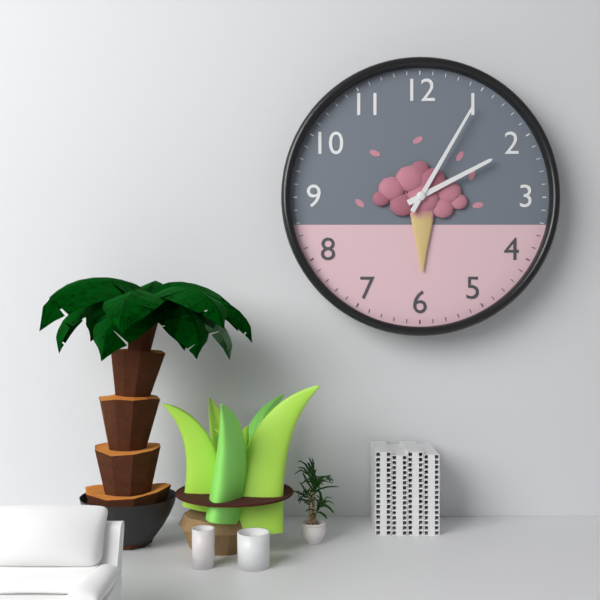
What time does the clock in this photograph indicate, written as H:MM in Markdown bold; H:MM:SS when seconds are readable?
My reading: **2:05**
